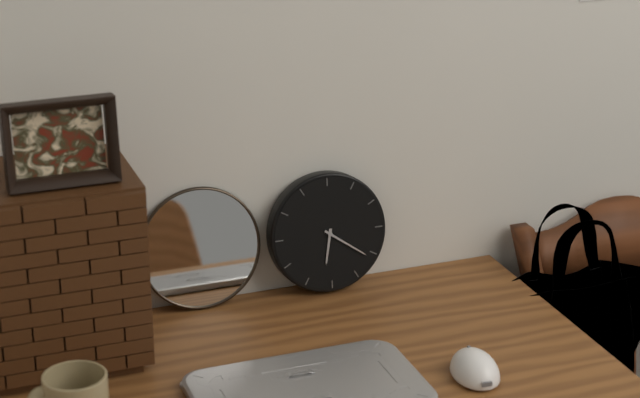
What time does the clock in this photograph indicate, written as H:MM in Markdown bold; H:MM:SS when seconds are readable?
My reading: **6:21**
